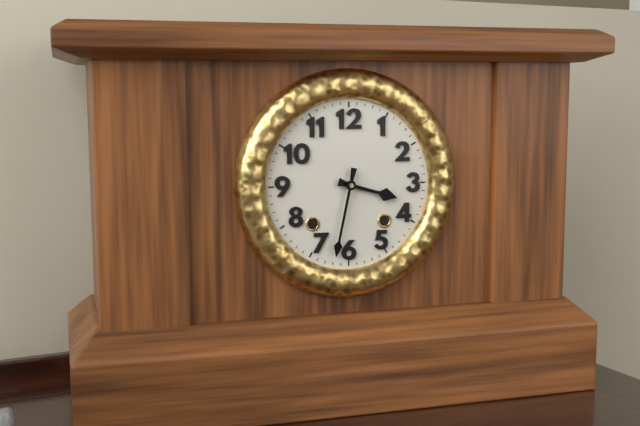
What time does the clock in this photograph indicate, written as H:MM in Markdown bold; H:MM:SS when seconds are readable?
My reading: **3:32**
